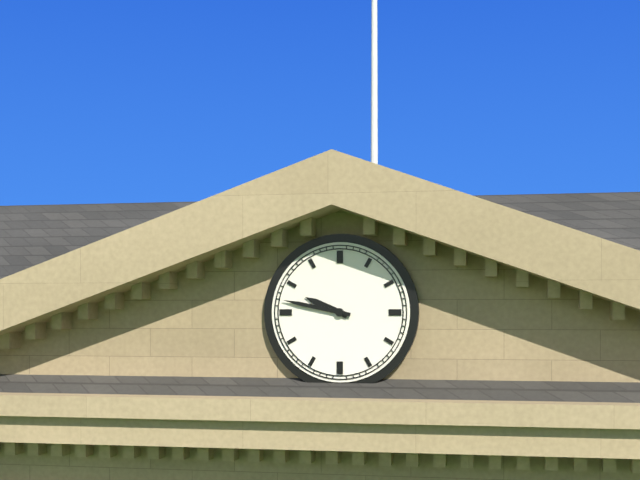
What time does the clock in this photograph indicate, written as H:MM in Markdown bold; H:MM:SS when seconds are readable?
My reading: **9:47**
